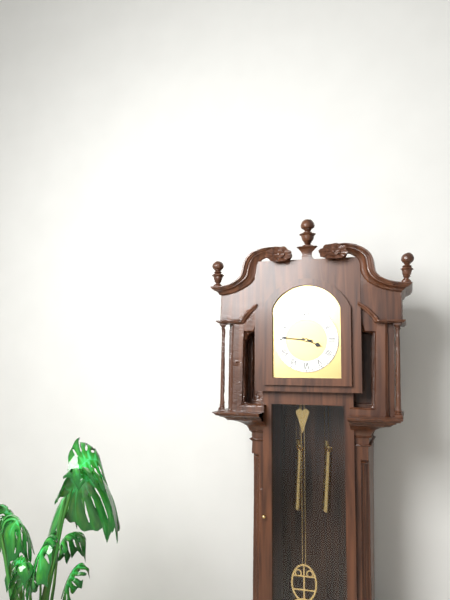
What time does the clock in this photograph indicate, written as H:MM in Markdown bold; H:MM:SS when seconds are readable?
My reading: **3:46**
